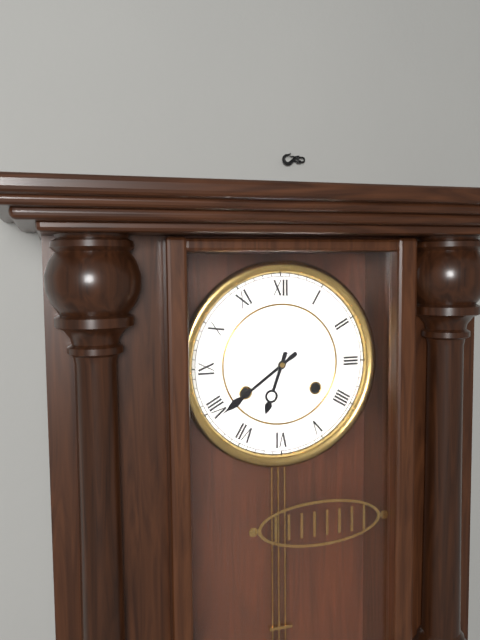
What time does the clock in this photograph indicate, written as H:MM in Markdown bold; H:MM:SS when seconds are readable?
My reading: **6:39**
